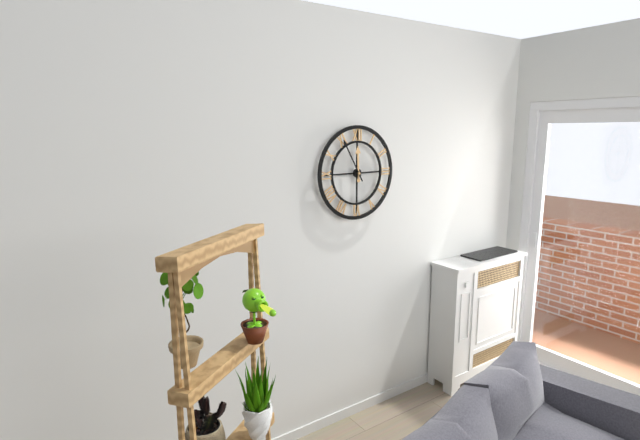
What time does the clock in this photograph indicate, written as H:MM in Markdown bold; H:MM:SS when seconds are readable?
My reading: **11:55**
